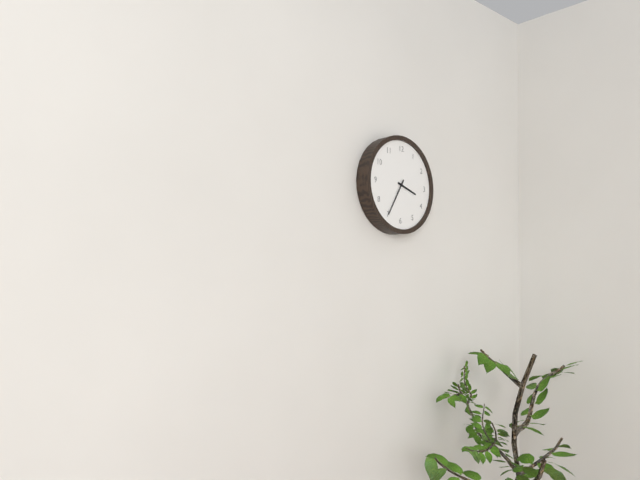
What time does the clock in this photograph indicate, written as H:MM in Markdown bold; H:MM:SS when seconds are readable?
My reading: **3:35**
